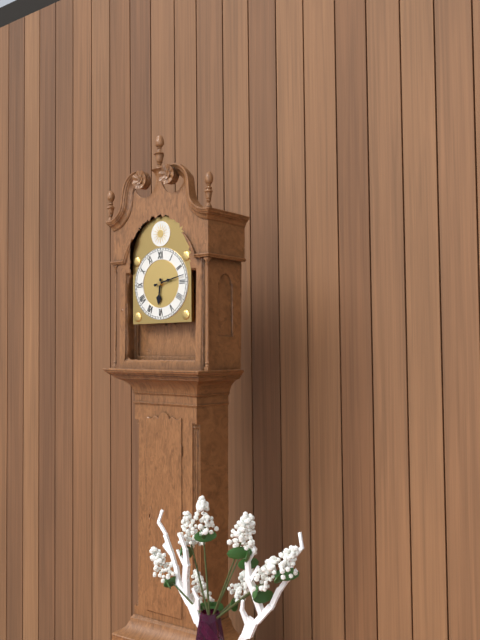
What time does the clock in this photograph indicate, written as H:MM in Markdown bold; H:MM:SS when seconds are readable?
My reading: **6:13**
